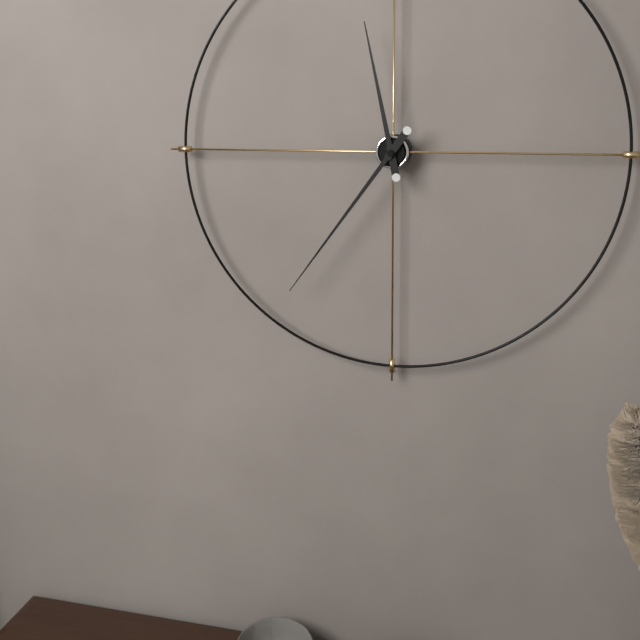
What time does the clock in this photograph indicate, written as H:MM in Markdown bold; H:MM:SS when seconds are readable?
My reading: **11:36**
